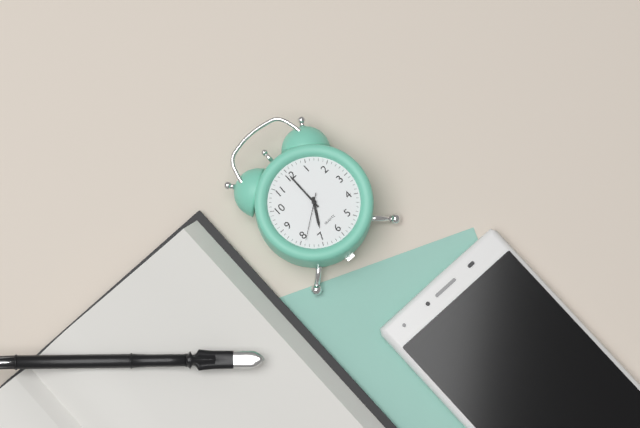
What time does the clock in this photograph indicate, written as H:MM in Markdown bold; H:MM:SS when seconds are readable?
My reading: **7:00**
